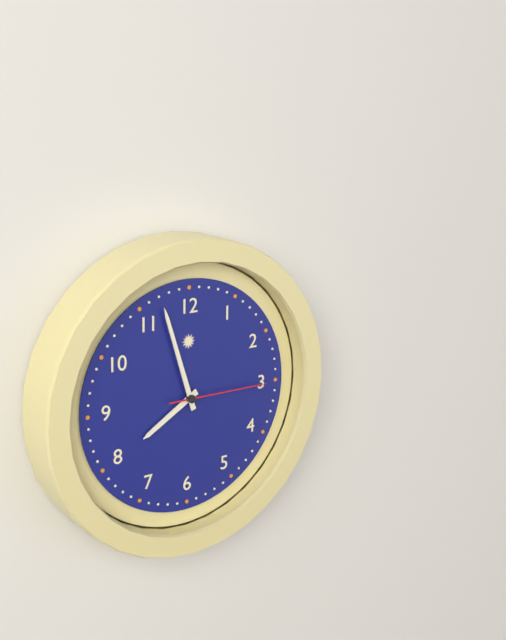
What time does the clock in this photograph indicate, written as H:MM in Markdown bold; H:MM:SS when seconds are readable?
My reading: **7:57:15**
